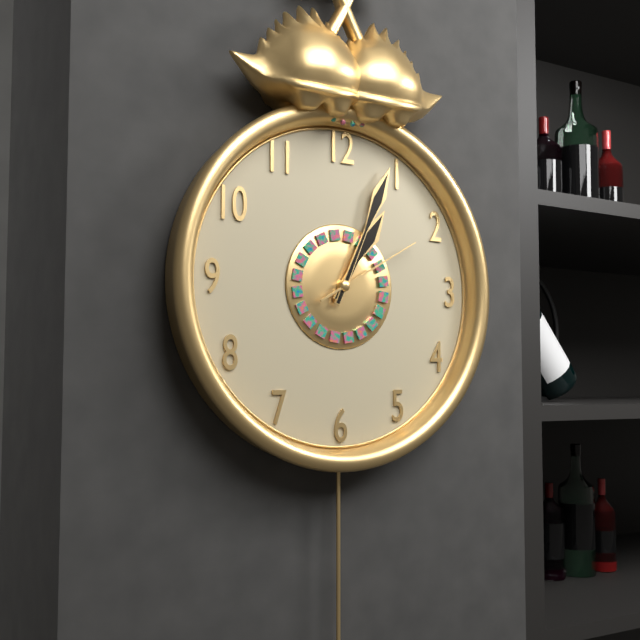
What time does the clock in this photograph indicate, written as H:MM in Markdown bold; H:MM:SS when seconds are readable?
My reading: **1:04:10**
